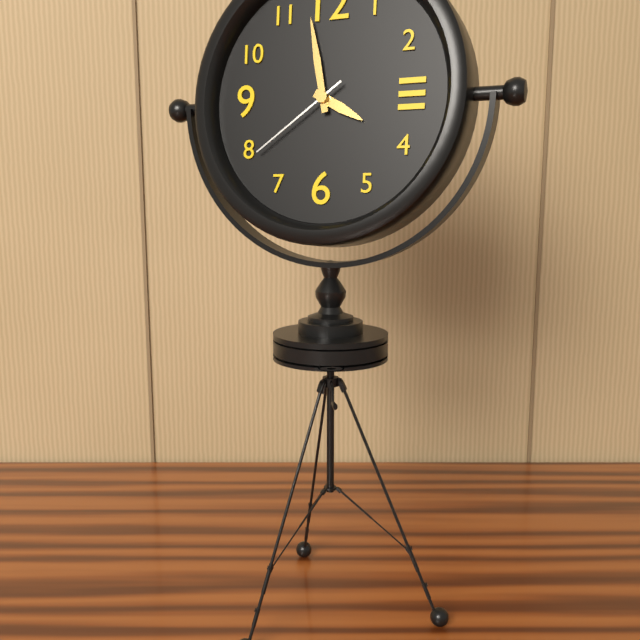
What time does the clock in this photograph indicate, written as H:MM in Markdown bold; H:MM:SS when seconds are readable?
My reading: **3:58:39**
